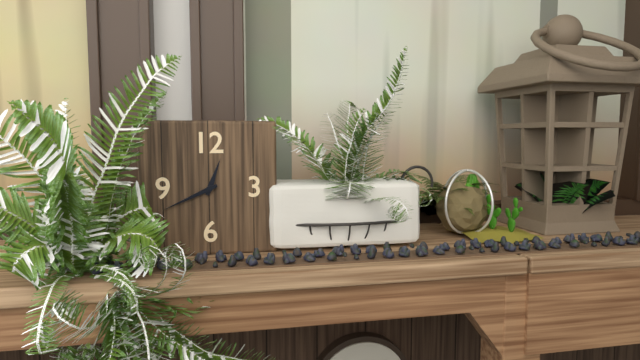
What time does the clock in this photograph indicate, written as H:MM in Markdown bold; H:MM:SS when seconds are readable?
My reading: **12:41**
